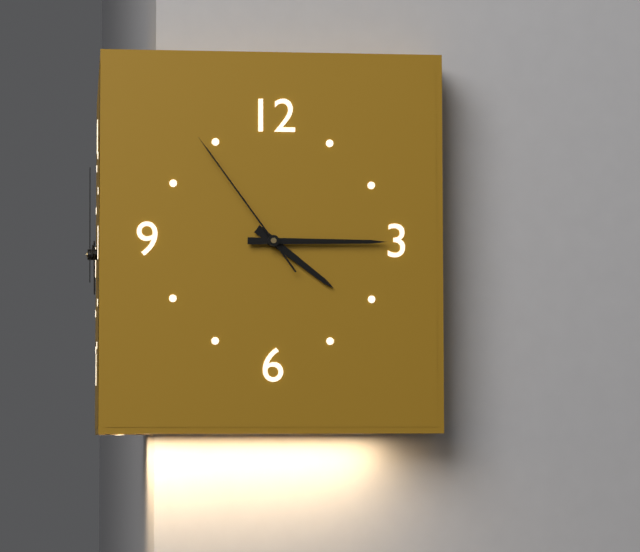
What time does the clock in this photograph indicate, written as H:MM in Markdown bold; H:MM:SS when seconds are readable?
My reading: **4:15:54**
